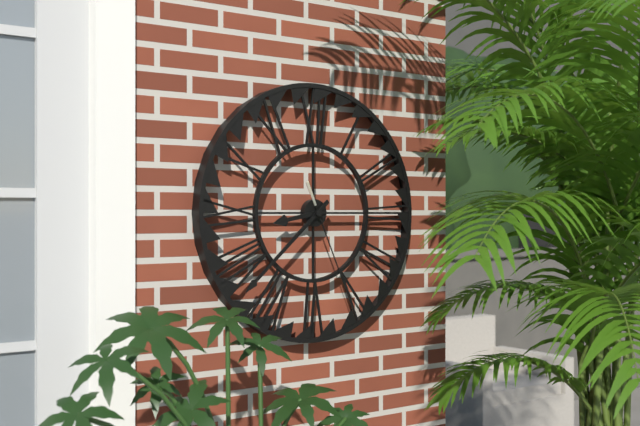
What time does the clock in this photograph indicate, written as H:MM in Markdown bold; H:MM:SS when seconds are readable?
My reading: **8:38:26**
